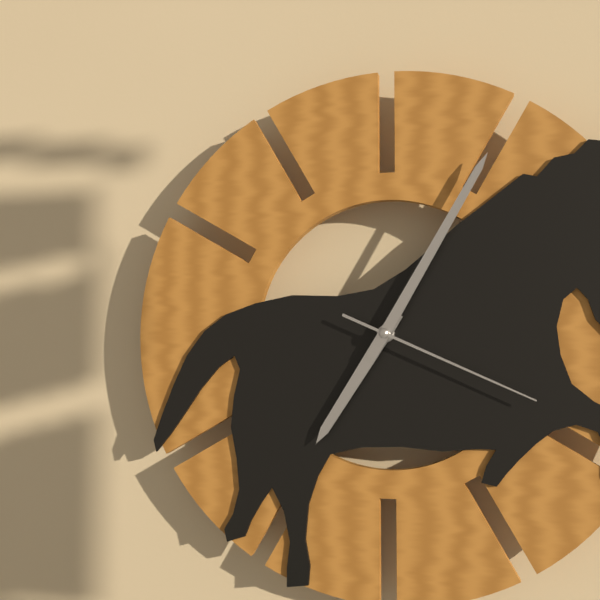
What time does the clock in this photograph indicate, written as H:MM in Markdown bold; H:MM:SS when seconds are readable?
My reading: **7:05:19**
